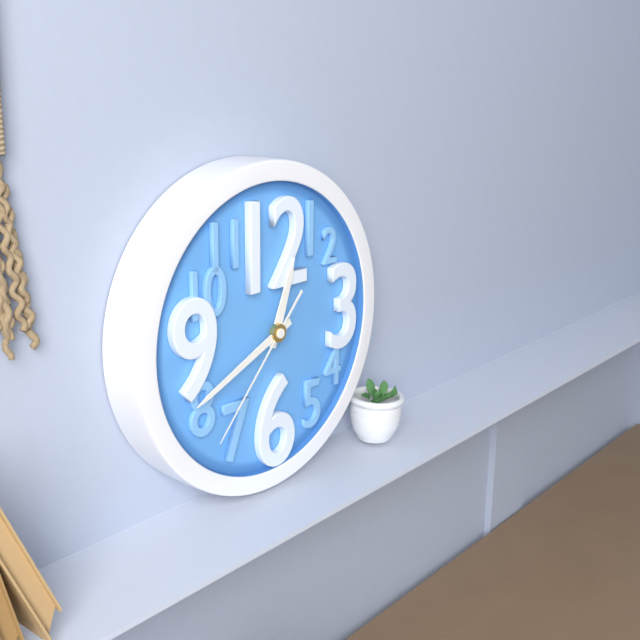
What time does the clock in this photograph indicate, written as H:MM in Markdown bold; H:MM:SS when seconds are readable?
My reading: **12:41:37**
